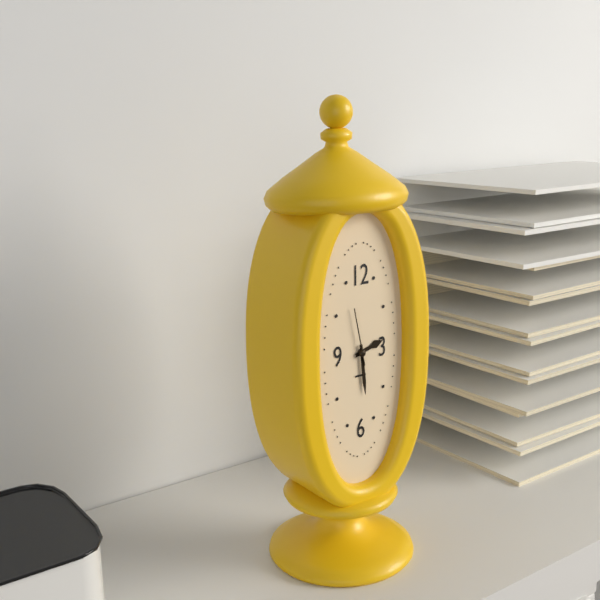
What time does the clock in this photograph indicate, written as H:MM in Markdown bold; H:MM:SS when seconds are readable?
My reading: **2:29:58**
